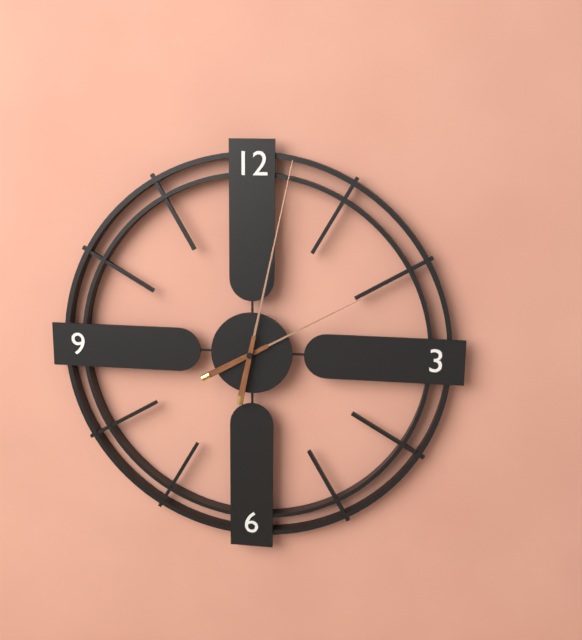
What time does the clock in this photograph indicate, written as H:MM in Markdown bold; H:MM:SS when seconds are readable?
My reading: **2:02**
